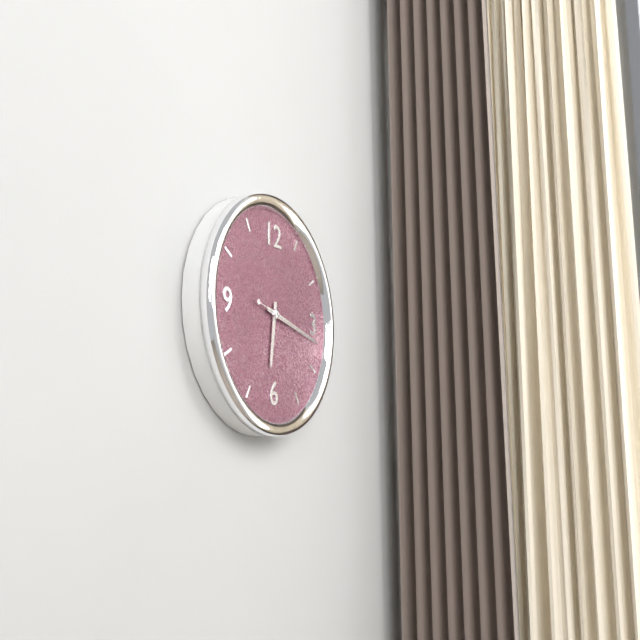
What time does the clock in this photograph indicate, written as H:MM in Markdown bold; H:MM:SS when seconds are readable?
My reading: **6:17:17**
